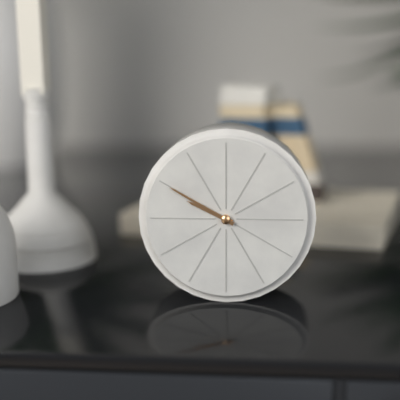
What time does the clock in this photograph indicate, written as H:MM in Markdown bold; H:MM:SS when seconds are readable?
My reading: **9:50**
